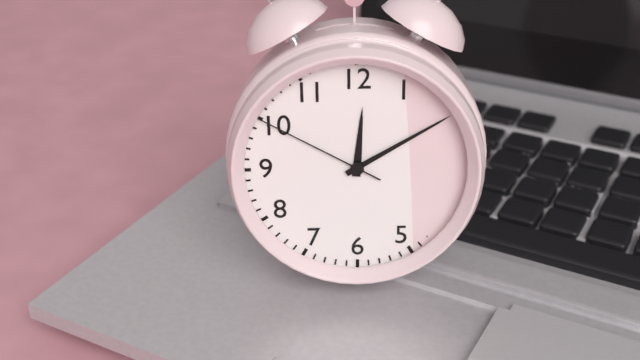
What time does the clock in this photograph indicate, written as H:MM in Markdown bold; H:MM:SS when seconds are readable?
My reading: **12:10:50**
